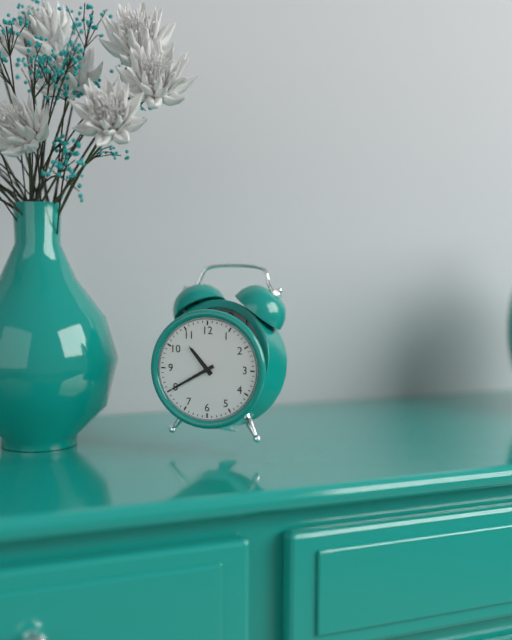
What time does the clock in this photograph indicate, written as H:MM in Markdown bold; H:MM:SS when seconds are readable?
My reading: **10:40**
